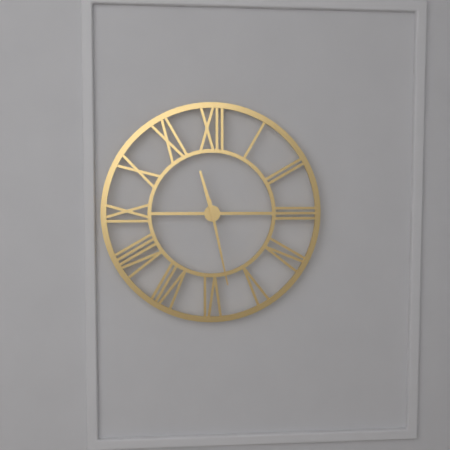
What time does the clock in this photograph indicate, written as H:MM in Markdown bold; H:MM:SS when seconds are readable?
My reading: **11:28**
